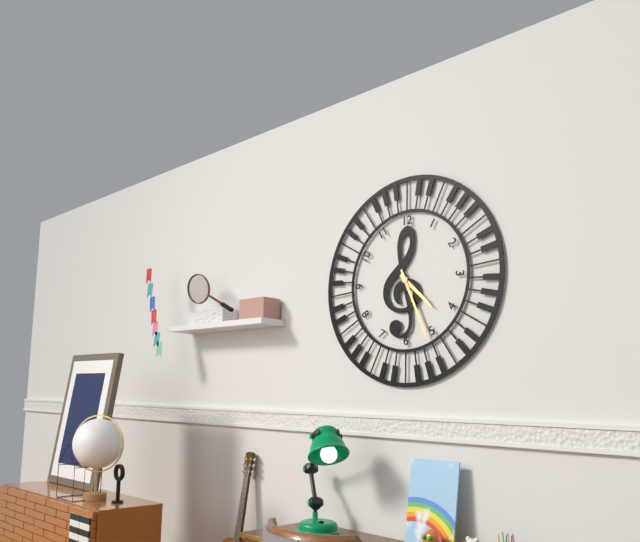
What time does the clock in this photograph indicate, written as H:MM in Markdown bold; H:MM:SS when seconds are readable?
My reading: **4:26**
